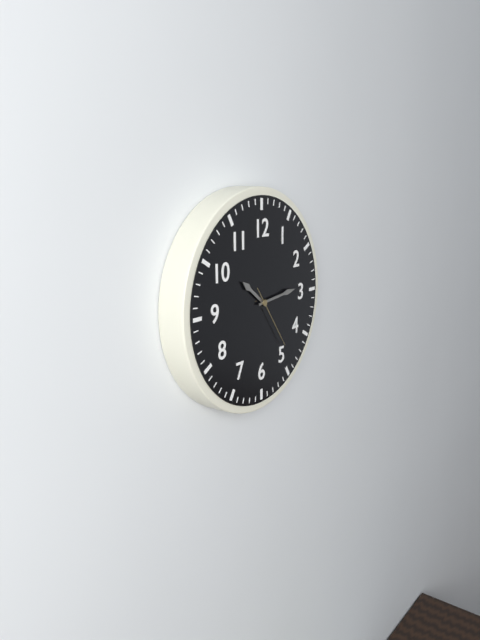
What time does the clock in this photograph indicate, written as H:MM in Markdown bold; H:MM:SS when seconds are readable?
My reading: **10:14:24**
